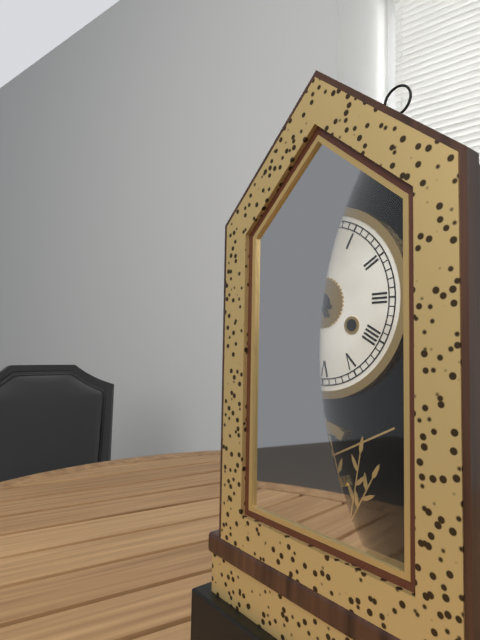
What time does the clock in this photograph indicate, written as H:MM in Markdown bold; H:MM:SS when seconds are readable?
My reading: **9:56**
